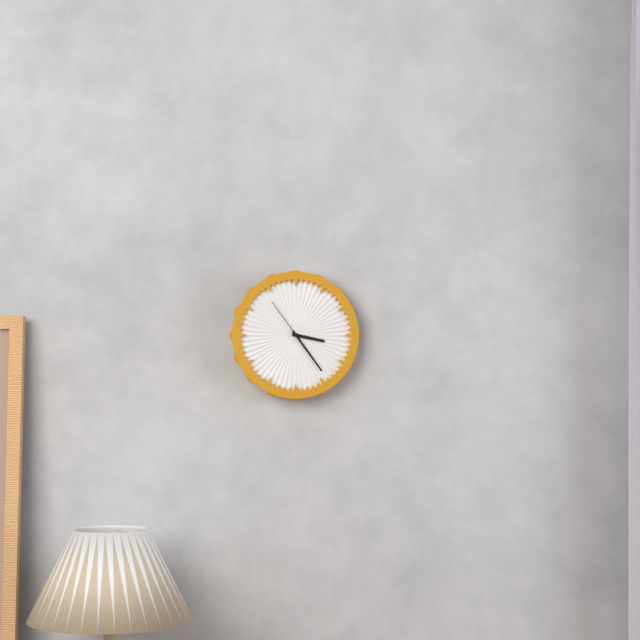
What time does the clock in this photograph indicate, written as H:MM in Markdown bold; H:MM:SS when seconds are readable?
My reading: **3:24:54**
